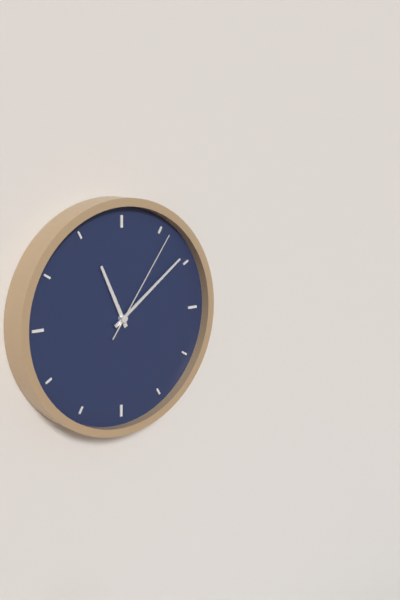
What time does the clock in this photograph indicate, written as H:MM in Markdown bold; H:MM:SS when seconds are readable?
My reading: **11:09:06**
